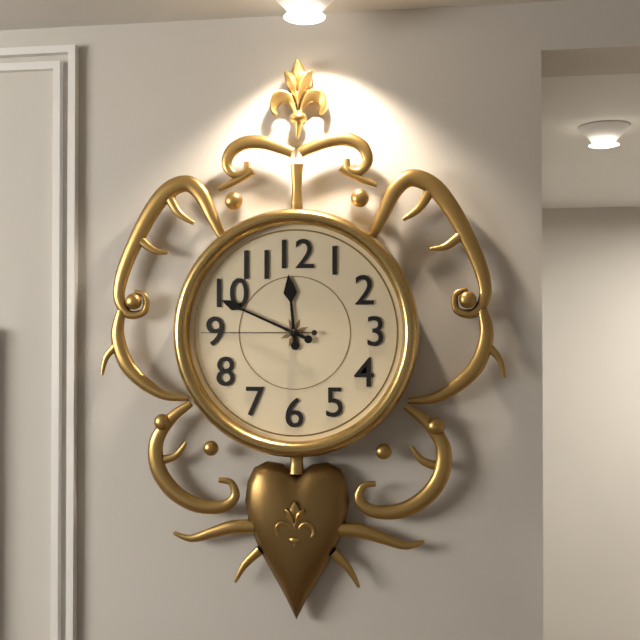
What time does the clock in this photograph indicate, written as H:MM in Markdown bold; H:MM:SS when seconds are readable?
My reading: **11:49:45**
